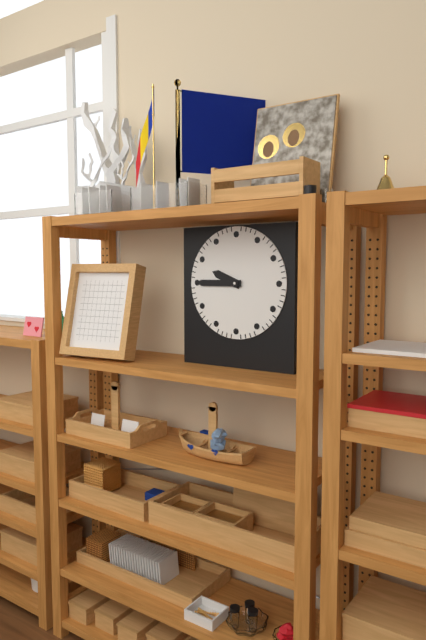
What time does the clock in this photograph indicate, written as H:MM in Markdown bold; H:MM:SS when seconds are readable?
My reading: **9:45**
